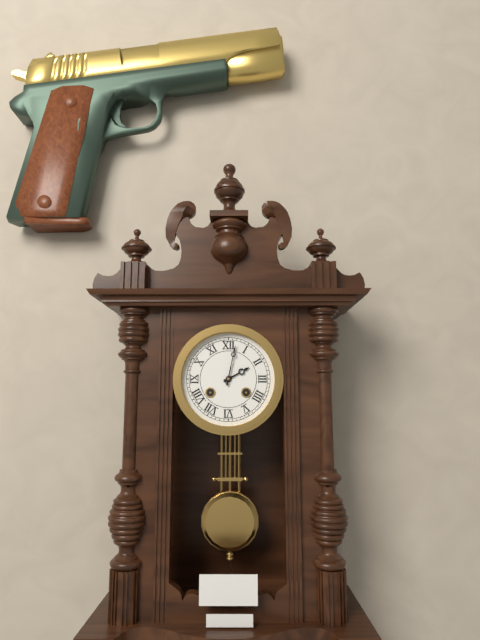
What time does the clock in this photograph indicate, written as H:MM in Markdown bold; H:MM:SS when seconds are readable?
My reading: **2:02**
